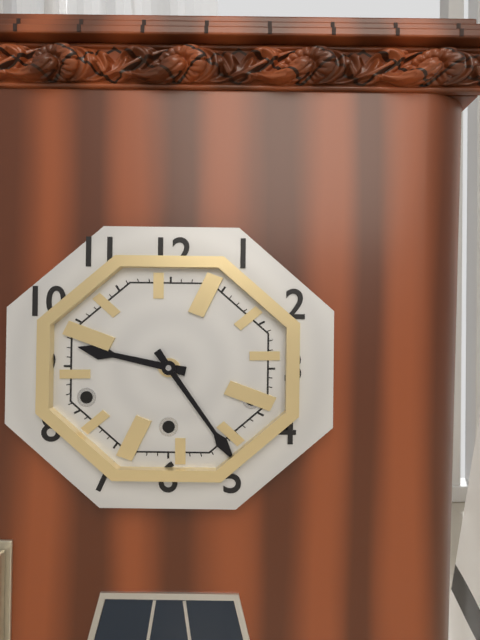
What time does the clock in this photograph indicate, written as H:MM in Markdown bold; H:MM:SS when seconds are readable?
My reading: **9:24**
